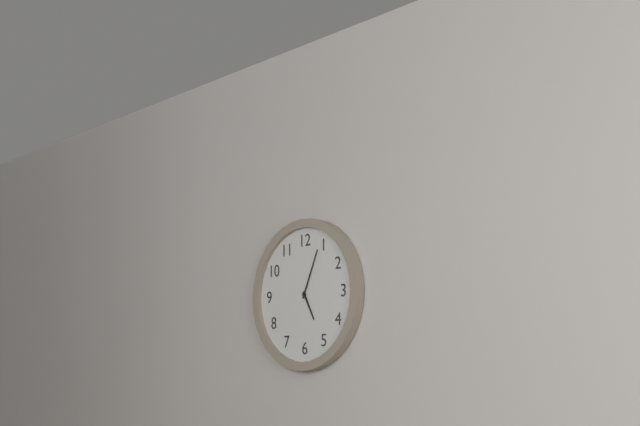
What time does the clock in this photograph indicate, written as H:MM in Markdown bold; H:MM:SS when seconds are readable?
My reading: **5:04**
